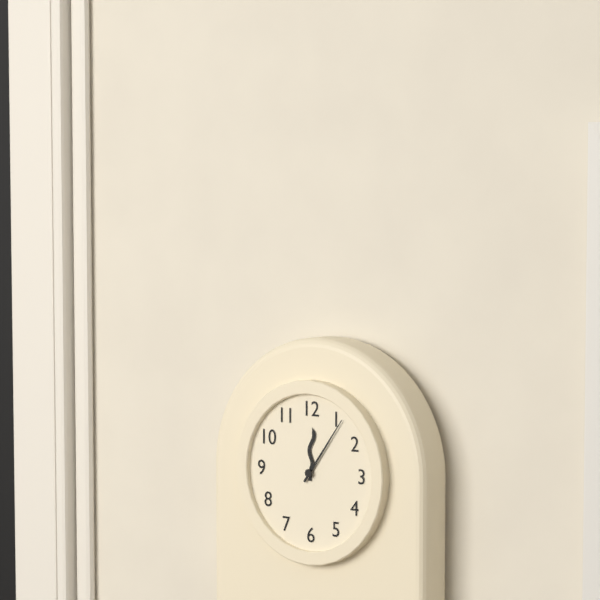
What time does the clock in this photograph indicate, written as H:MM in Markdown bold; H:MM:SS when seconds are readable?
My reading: **12:06**
